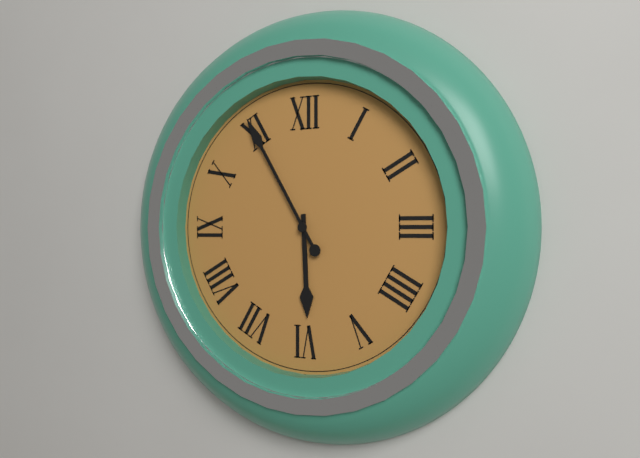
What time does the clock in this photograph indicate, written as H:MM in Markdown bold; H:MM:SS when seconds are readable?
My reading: **5:55**
